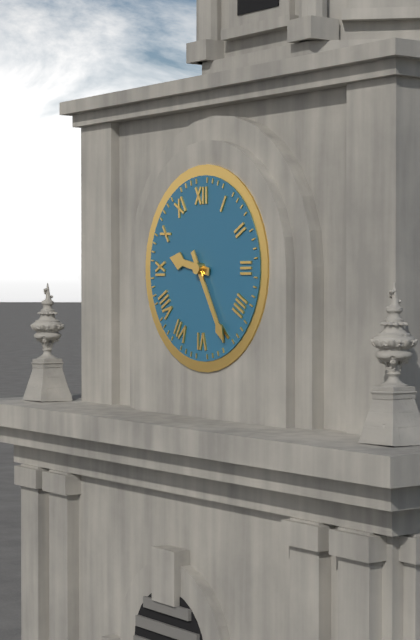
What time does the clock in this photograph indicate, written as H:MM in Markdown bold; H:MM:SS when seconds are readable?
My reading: **9:25**
